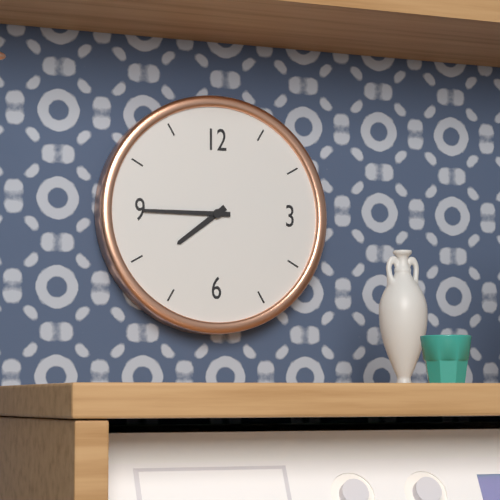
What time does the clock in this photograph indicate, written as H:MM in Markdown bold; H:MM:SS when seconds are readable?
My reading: **7:45**
